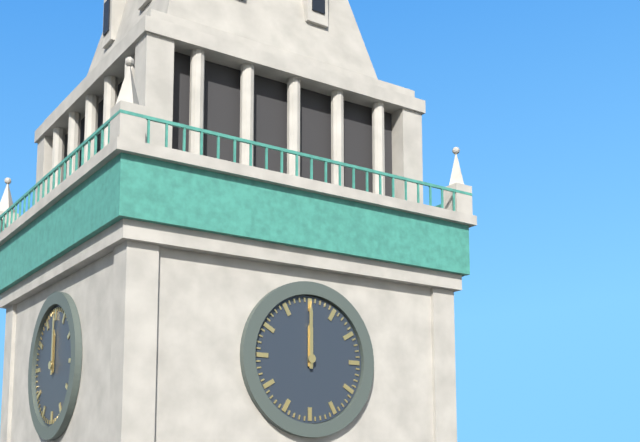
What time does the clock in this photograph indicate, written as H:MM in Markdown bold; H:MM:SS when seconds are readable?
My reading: **12:00**
